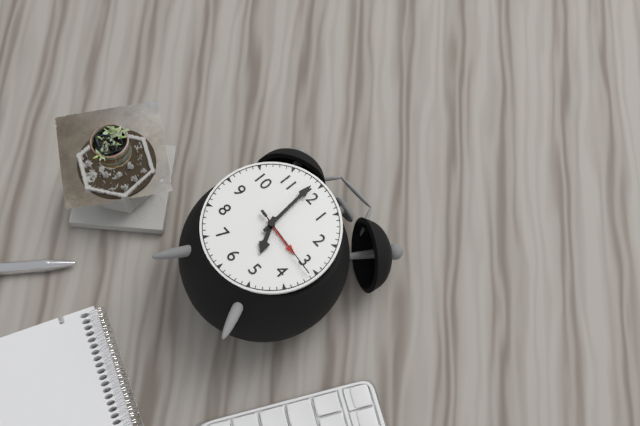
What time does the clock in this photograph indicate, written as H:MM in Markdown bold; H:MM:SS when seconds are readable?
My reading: **4:59:16**
